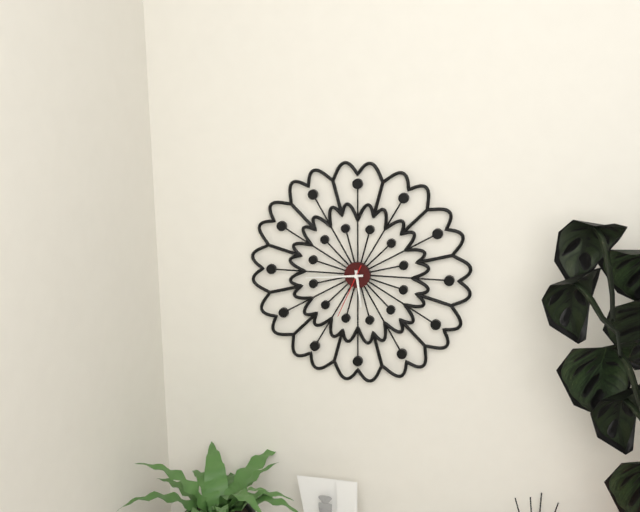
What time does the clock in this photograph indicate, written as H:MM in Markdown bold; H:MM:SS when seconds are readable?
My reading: **5:44:34**
